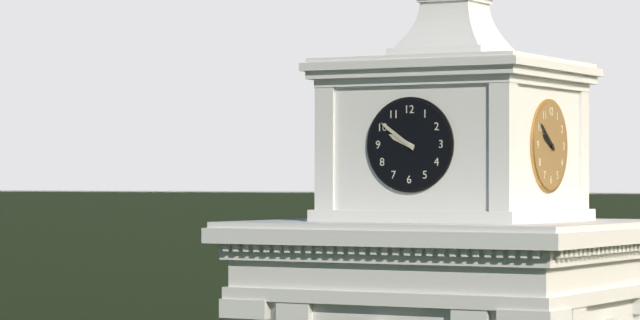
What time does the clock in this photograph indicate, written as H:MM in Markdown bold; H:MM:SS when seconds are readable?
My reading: **9:51**
